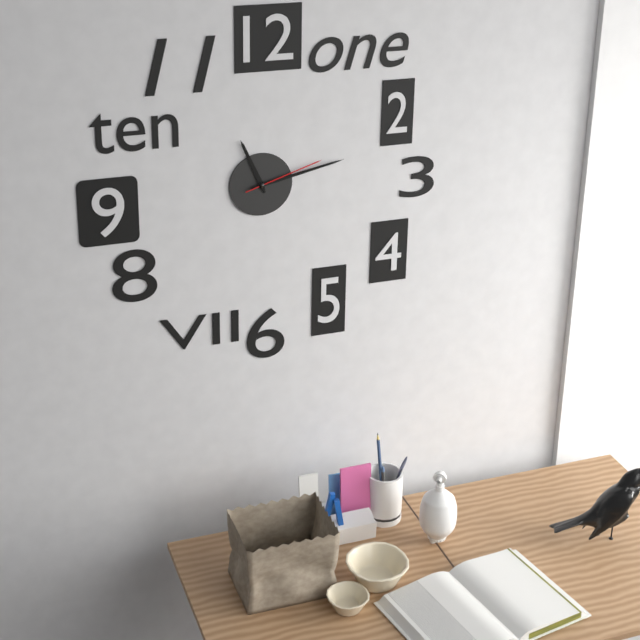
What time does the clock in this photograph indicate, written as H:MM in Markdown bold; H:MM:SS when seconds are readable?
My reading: **11:13:12**
